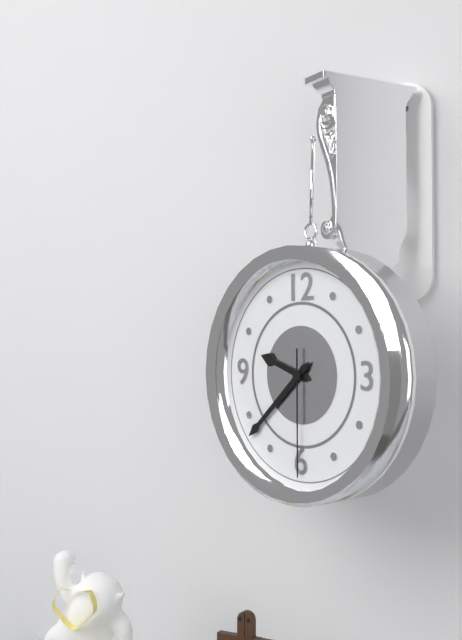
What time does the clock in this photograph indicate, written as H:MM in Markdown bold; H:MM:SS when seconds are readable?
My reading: **9:38:30**
